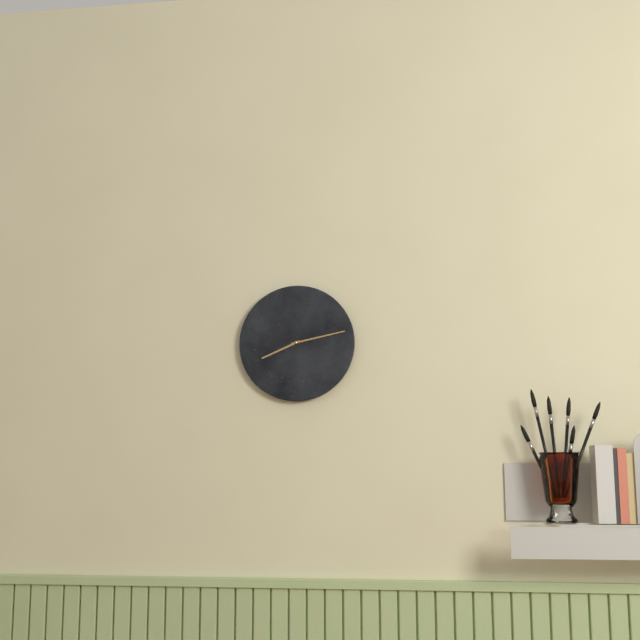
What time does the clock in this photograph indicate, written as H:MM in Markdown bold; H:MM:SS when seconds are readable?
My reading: **8:13**
